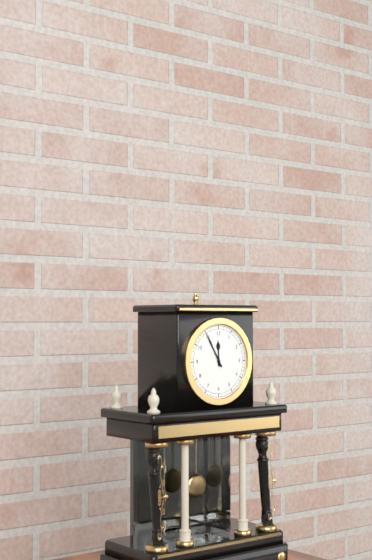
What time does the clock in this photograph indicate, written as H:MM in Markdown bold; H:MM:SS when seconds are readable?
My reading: **11:55**
